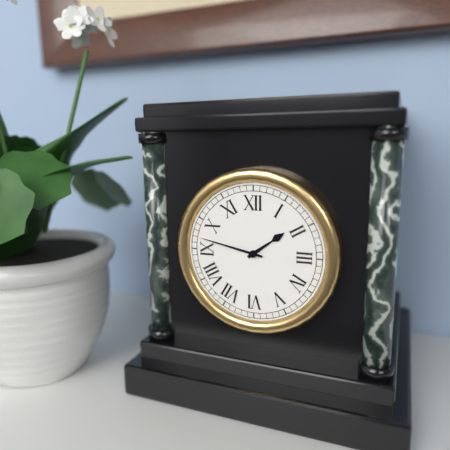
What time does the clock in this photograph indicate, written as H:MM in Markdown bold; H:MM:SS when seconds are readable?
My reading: **1:47**
